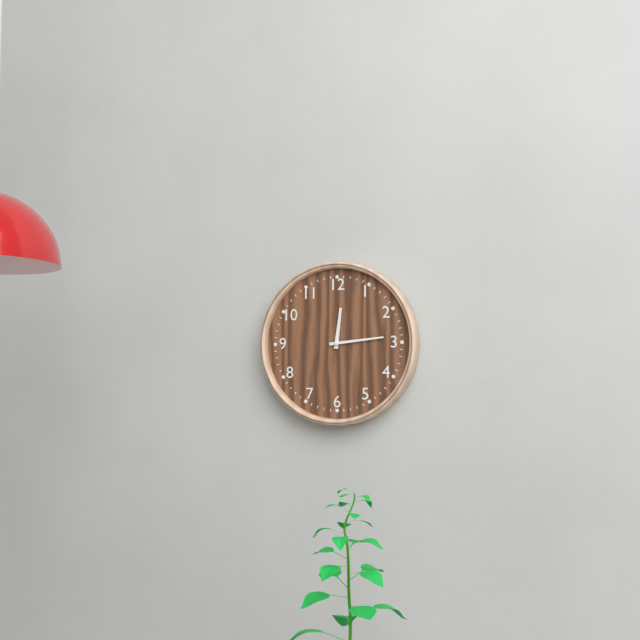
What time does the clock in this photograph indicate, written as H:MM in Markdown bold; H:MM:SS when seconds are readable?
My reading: **12:14**
